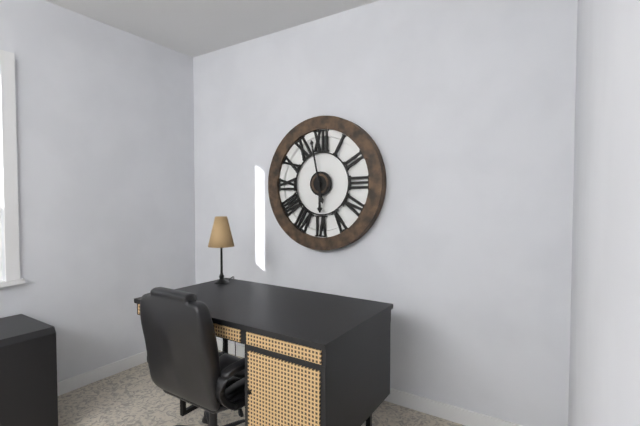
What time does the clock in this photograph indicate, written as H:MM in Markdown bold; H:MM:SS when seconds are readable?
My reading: **5:58**
